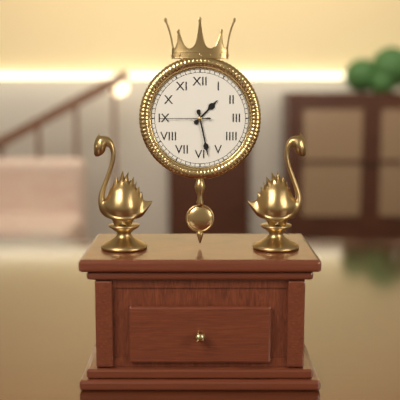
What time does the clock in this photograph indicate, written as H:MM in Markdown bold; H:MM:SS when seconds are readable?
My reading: **1:28:45**
